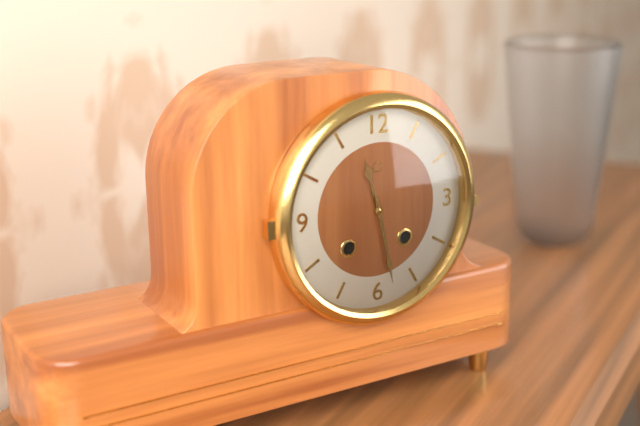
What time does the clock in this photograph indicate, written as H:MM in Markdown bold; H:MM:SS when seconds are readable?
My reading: **11:28**
